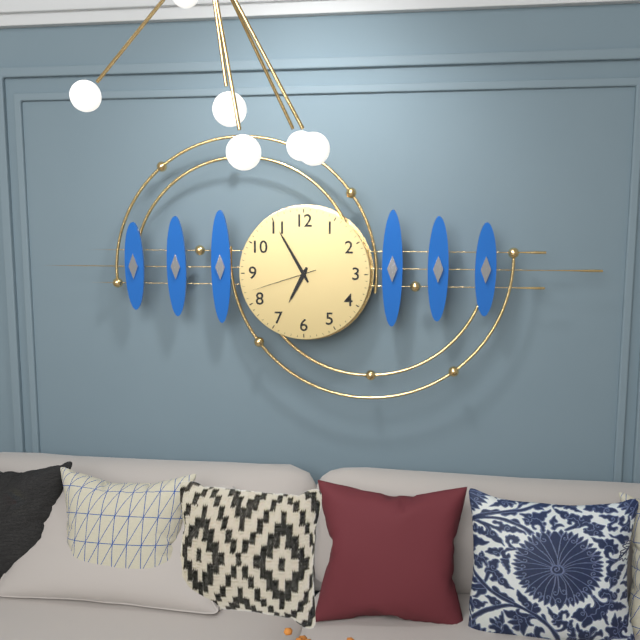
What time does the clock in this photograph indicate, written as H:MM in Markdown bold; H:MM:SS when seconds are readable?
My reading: **6:55:42**
